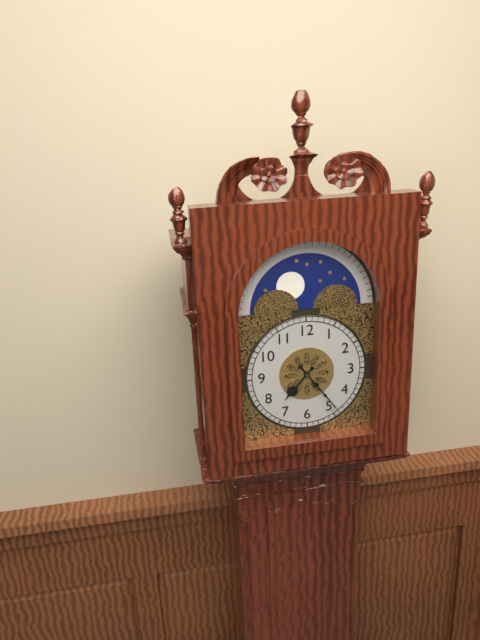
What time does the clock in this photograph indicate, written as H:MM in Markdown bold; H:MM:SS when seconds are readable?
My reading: **7:24**
